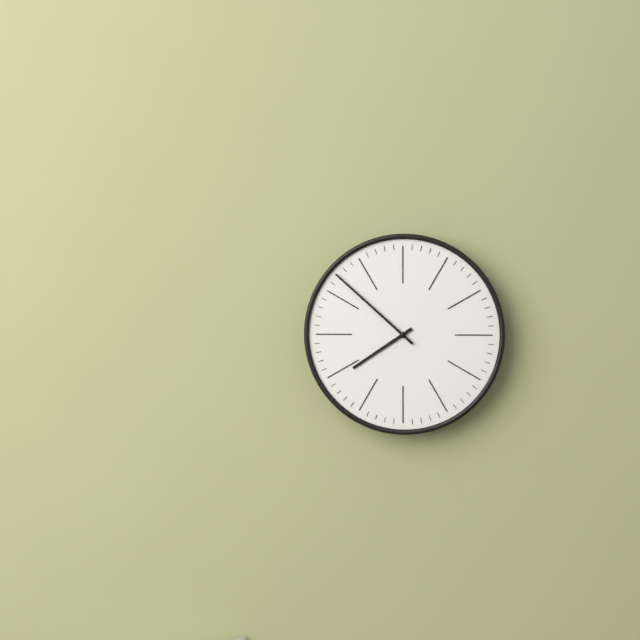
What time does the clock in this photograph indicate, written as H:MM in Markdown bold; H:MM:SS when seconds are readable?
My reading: **7:52**
